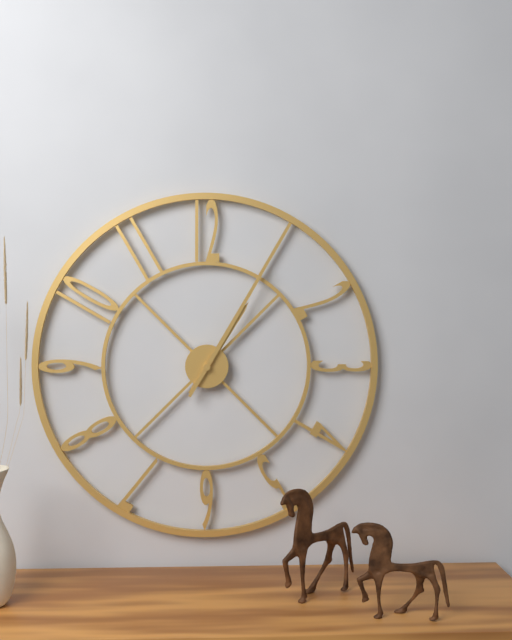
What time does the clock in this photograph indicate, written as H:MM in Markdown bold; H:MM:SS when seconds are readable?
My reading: **1:05**
